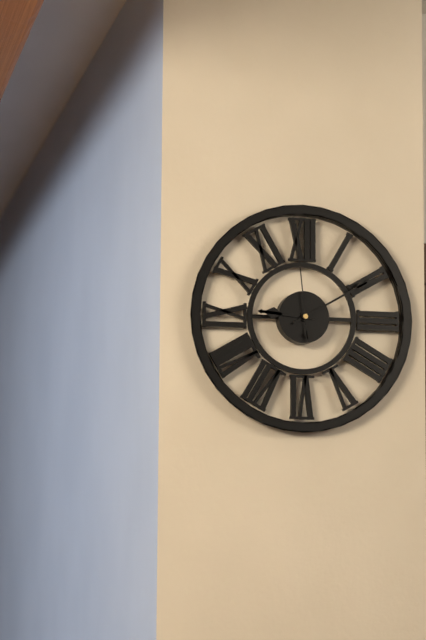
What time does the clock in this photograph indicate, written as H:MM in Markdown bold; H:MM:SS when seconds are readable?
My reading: **9:10:59**
